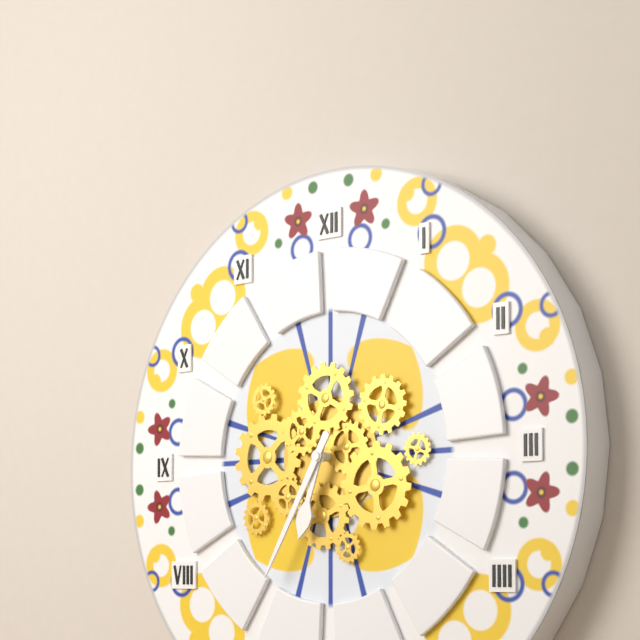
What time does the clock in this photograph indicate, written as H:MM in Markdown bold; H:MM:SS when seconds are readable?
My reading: **6:35**
